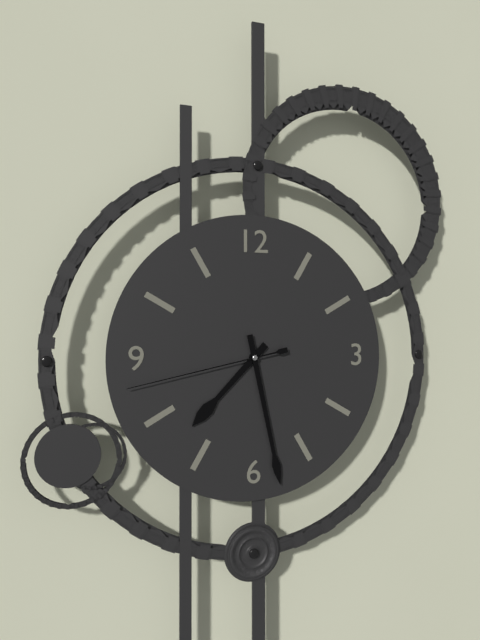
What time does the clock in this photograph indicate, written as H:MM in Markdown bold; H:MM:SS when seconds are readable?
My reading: **7:28:43**
